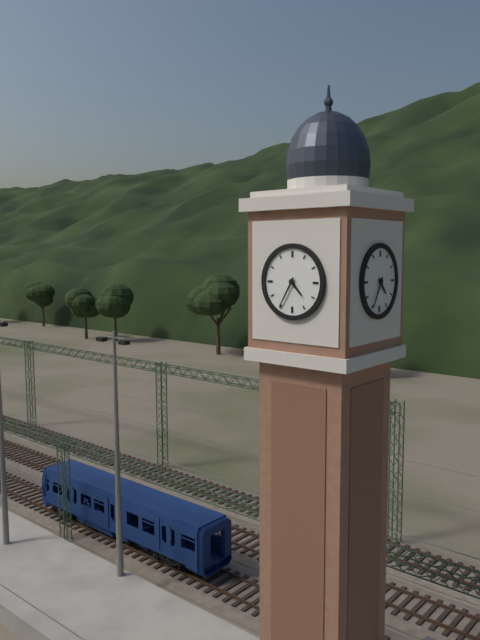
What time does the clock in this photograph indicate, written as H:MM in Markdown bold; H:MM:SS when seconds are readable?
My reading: **4:35**
